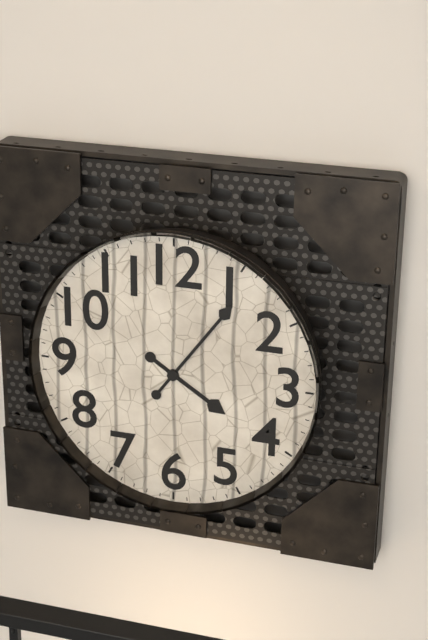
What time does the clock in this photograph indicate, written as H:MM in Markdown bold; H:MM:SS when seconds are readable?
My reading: **4:06**
